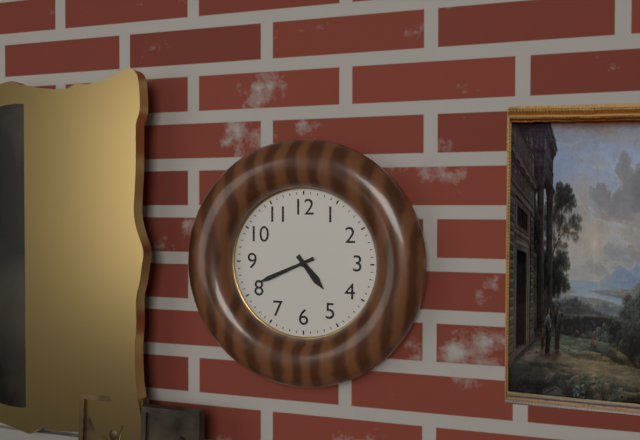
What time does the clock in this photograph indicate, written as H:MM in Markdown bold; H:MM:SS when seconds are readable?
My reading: **4:41**
